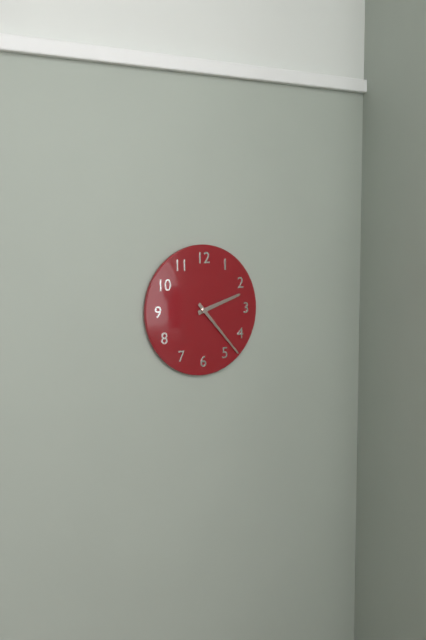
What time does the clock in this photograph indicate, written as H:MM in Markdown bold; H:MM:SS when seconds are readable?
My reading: **2:23**
